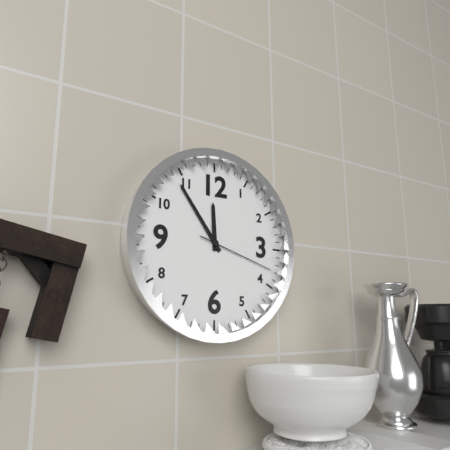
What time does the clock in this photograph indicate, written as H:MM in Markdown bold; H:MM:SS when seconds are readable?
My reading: **11:54:18**
